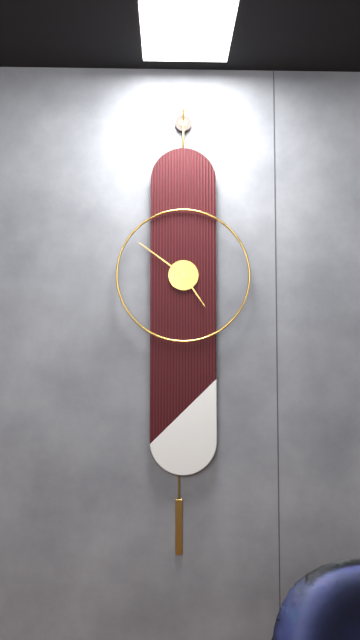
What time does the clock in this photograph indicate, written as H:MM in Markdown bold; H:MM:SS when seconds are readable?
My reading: **4:51**
